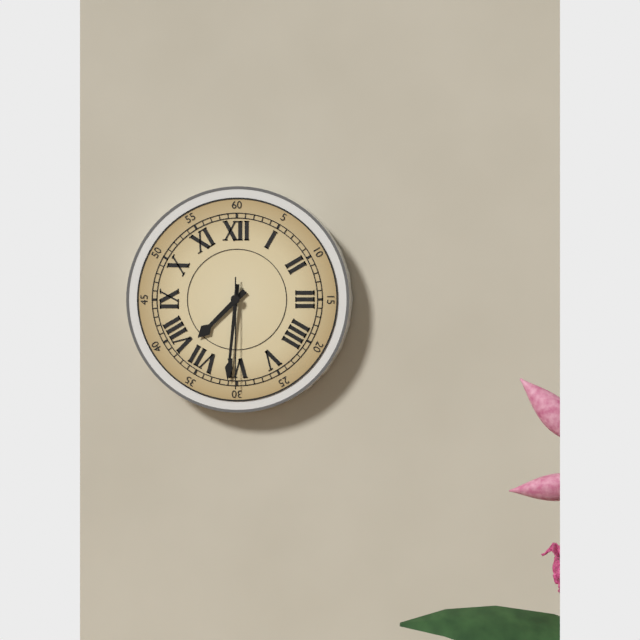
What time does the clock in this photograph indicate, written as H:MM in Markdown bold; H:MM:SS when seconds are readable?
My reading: **7:31:30**
